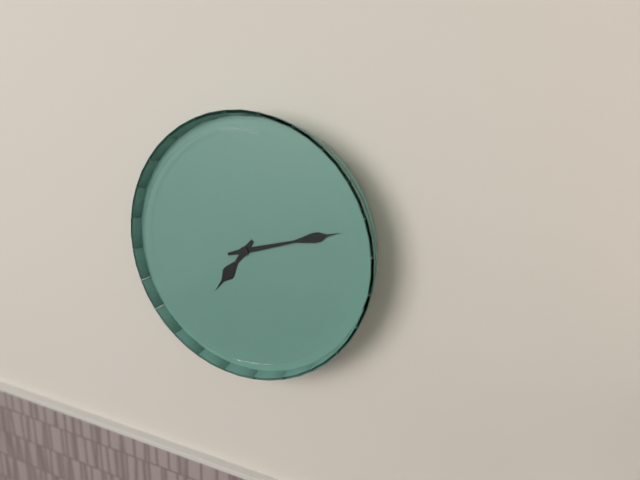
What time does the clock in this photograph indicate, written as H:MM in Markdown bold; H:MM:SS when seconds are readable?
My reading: **7:12**
